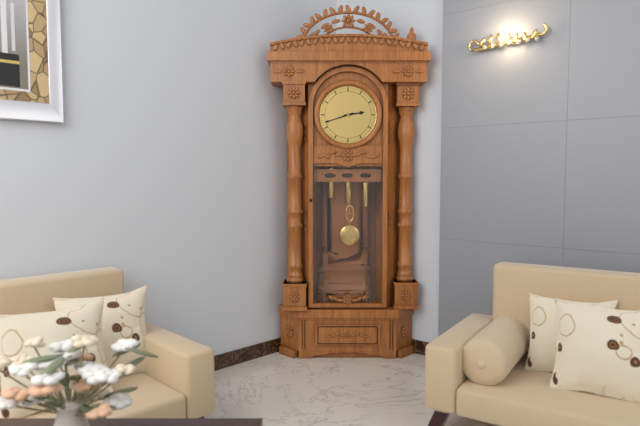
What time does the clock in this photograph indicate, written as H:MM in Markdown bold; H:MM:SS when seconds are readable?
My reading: **2:42**
